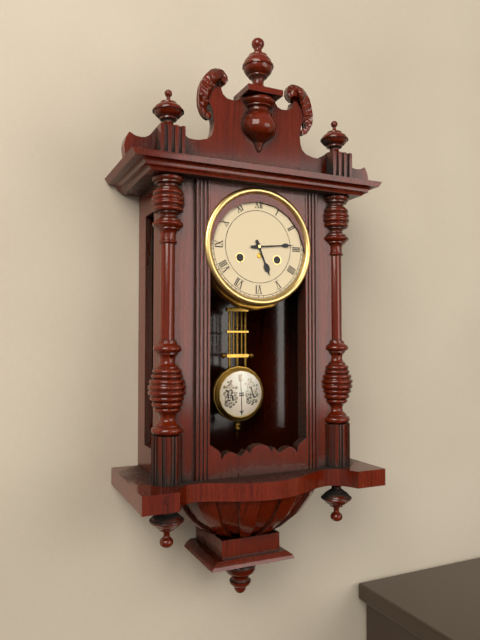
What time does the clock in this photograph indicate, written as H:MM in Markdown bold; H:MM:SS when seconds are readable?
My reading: **5:14**
